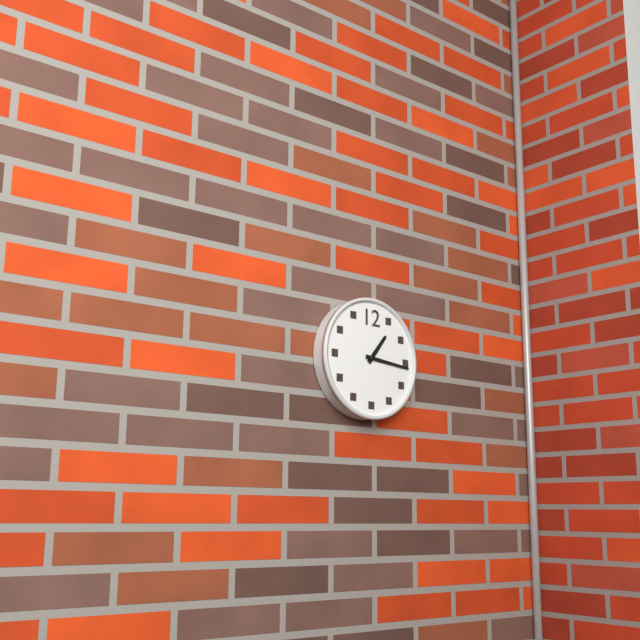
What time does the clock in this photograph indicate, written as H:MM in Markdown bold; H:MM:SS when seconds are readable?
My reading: **1:16**
